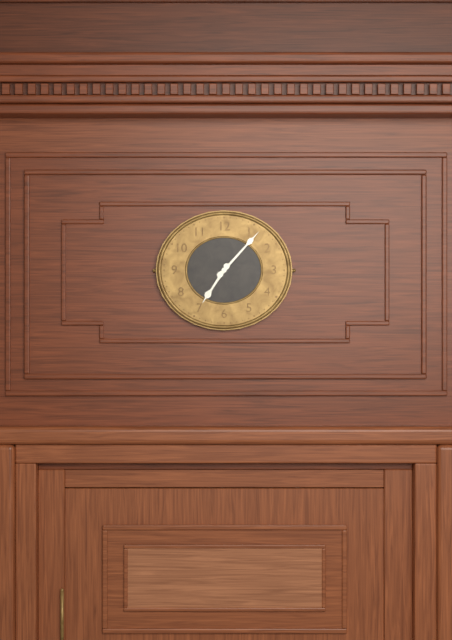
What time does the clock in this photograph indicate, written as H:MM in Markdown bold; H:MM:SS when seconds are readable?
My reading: **7:07**
